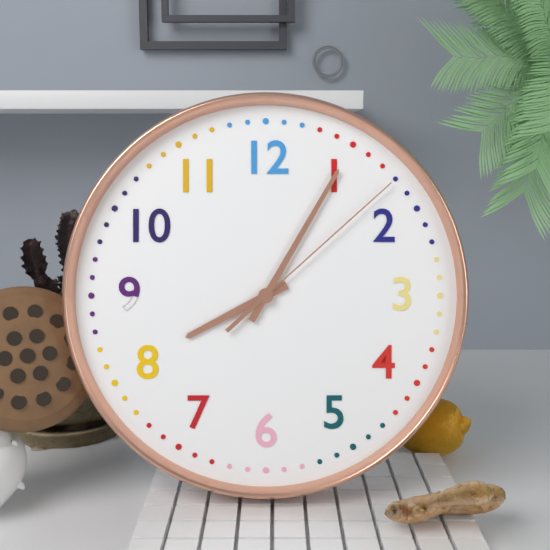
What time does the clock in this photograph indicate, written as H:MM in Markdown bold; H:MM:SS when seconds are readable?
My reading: **8:05:08**
